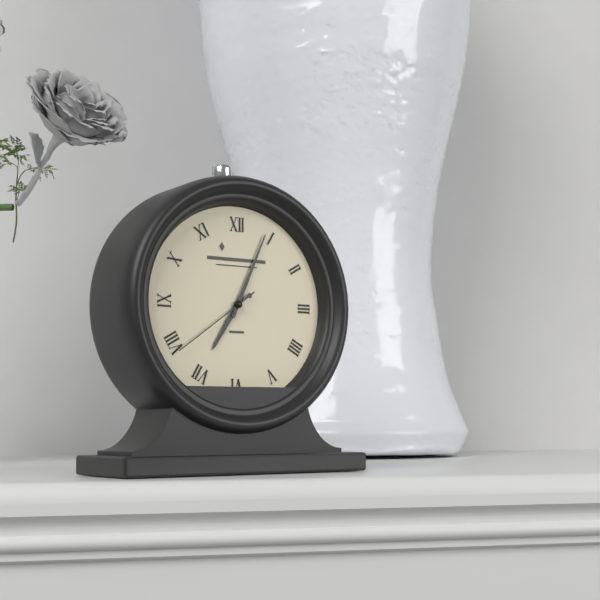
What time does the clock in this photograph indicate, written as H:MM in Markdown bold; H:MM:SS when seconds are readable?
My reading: **7:04:39**
